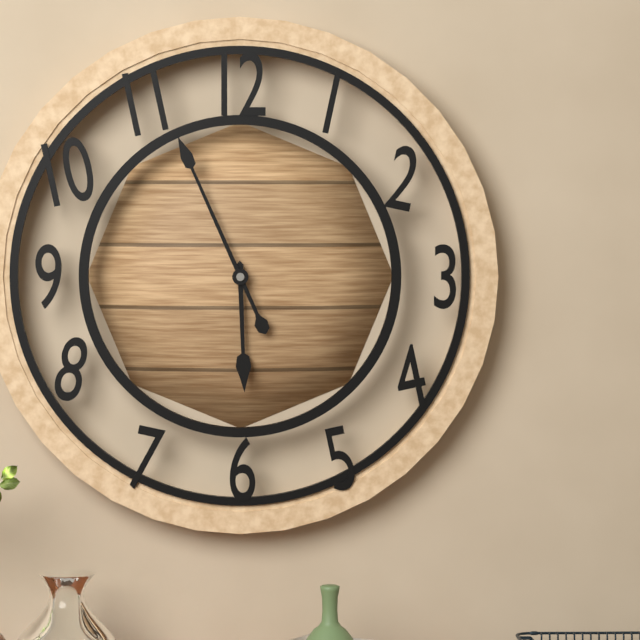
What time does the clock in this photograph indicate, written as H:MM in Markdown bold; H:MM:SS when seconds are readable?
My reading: **5:56**
